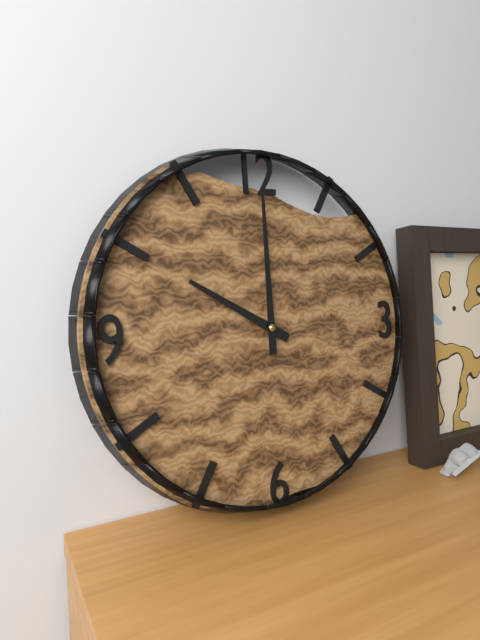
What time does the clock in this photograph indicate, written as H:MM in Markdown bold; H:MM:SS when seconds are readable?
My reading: **10:00**
